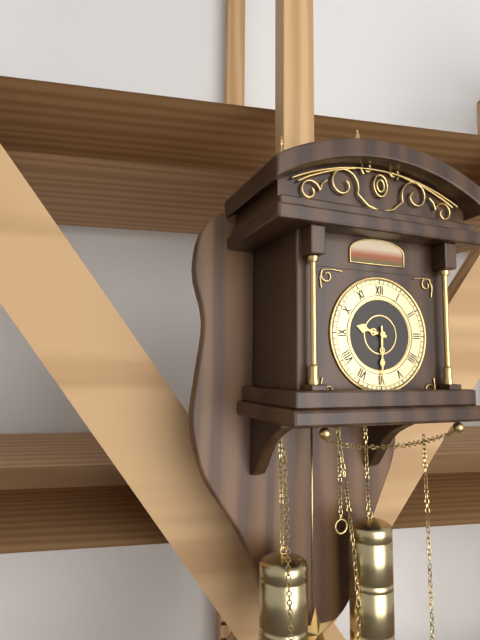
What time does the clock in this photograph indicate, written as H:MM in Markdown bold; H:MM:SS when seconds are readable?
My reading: **9:30**
